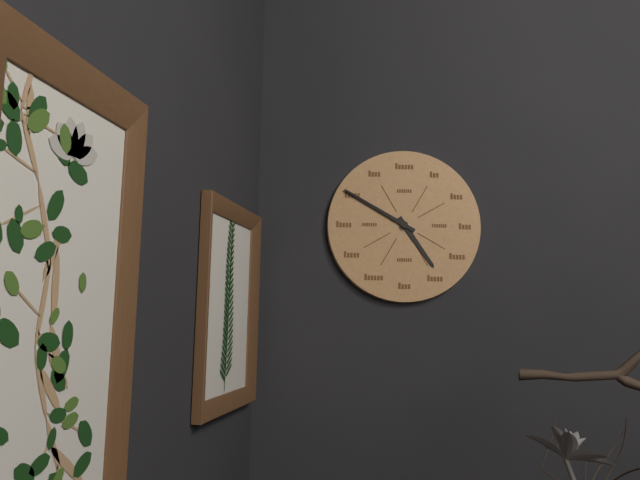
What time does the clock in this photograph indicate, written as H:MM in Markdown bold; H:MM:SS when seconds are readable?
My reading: **4:50**
